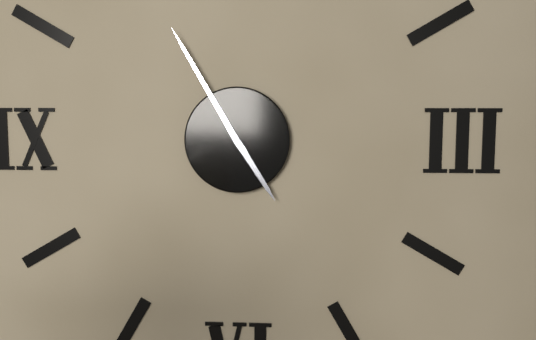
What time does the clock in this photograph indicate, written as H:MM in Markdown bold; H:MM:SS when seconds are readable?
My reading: **4:55**
